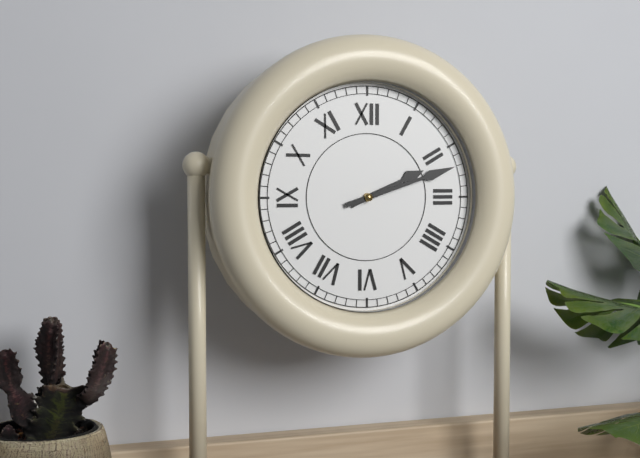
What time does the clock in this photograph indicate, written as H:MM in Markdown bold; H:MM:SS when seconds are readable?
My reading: **2:12**
